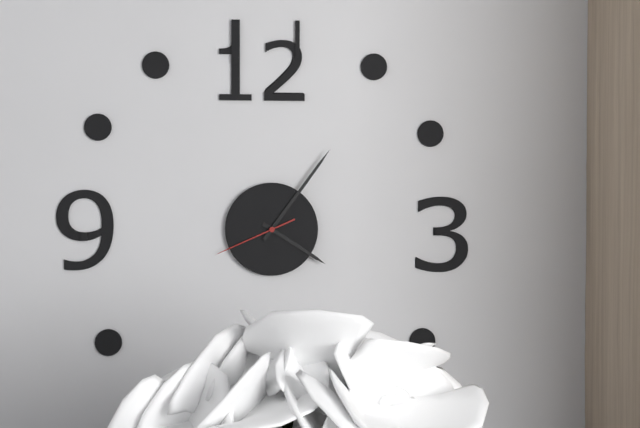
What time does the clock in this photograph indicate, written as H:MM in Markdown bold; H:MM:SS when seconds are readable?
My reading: **4:06:41**
